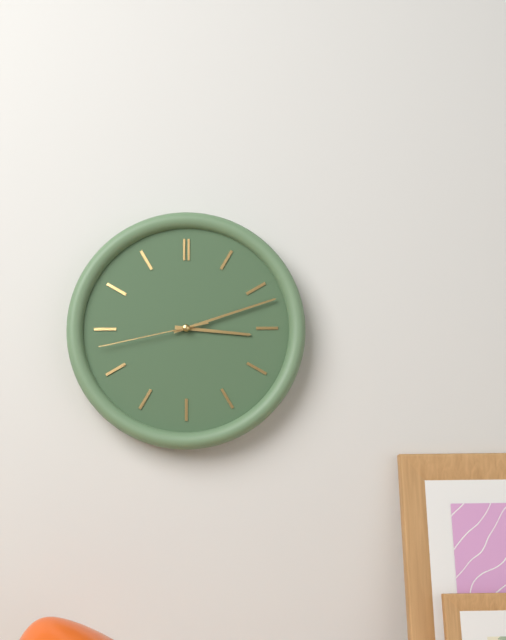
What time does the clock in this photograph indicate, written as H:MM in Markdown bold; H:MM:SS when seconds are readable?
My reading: **3:12:43**
